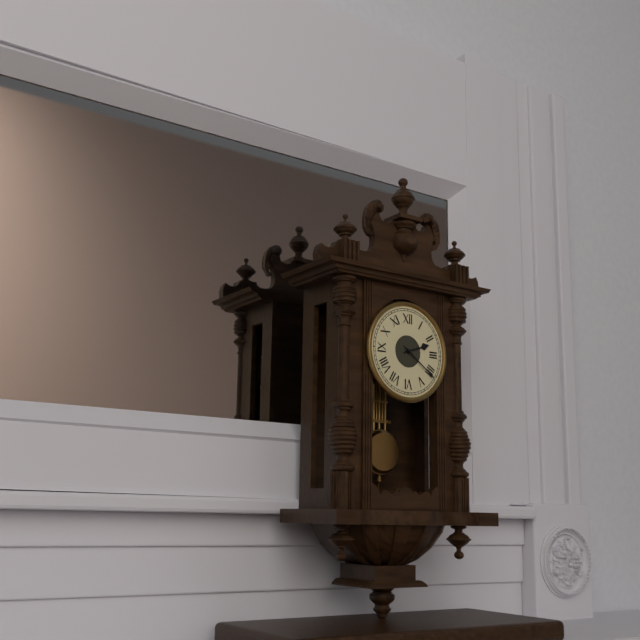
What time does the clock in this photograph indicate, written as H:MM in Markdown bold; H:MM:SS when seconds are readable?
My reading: **2:21**
